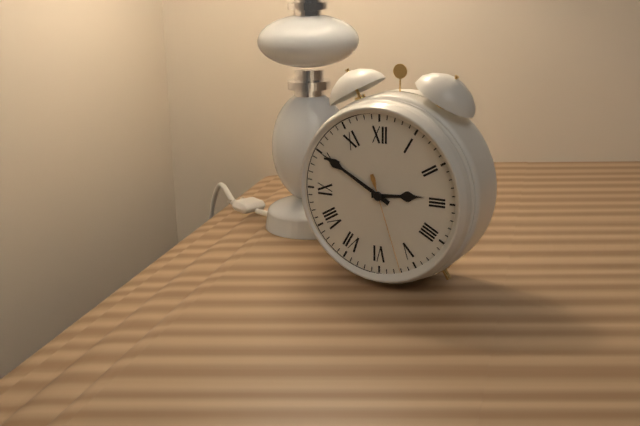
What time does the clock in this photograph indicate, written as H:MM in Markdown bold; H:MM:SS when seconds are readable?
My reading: **2:50:27**
